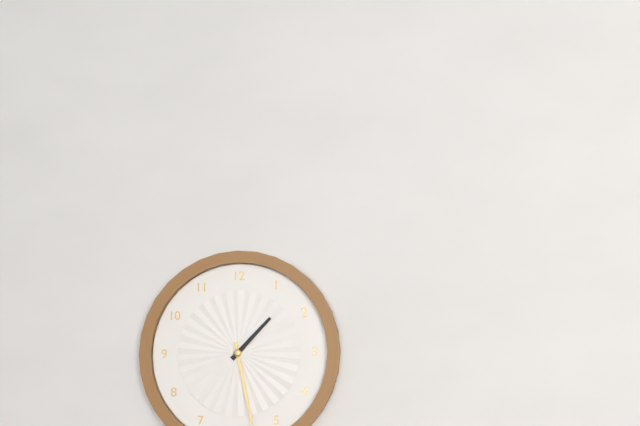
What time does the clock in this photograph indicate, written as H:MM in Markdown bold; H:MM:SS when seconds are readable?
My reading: **1:28**
